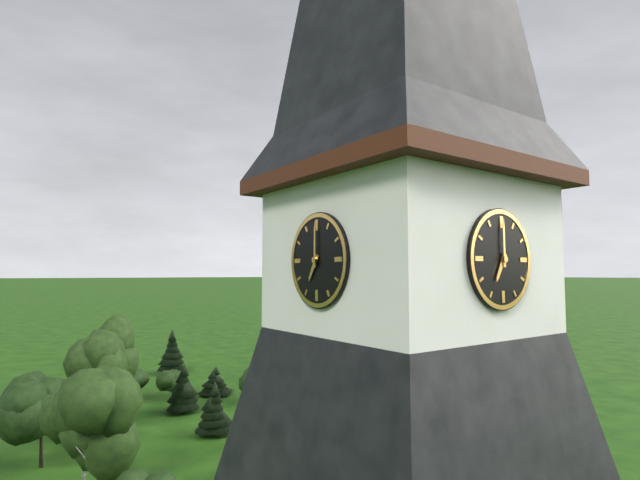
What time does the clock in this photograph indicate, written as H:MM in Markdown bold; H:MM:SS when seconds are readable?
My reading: **7:00**
